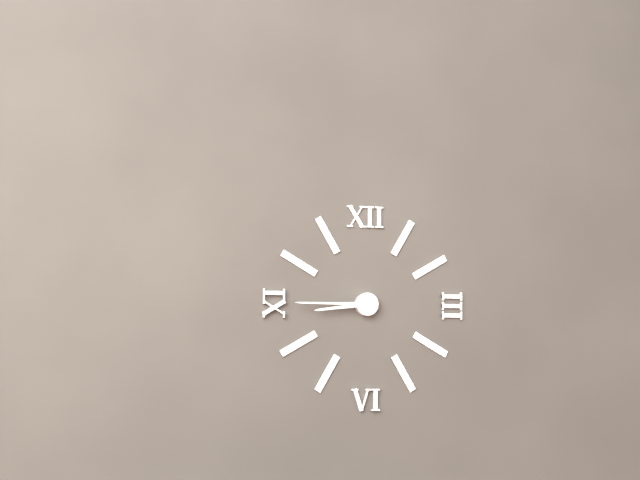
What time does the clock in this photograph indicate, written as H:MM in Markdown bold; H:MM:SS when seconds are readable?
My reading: **8:45**
